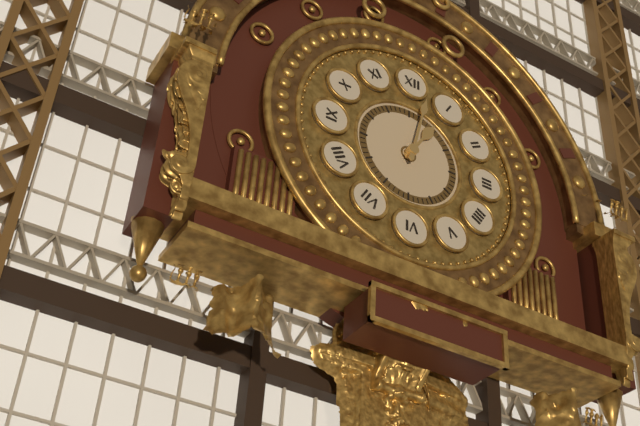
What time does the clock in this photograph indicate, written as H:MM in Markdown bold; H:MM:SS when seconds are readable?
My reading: **1:02**
